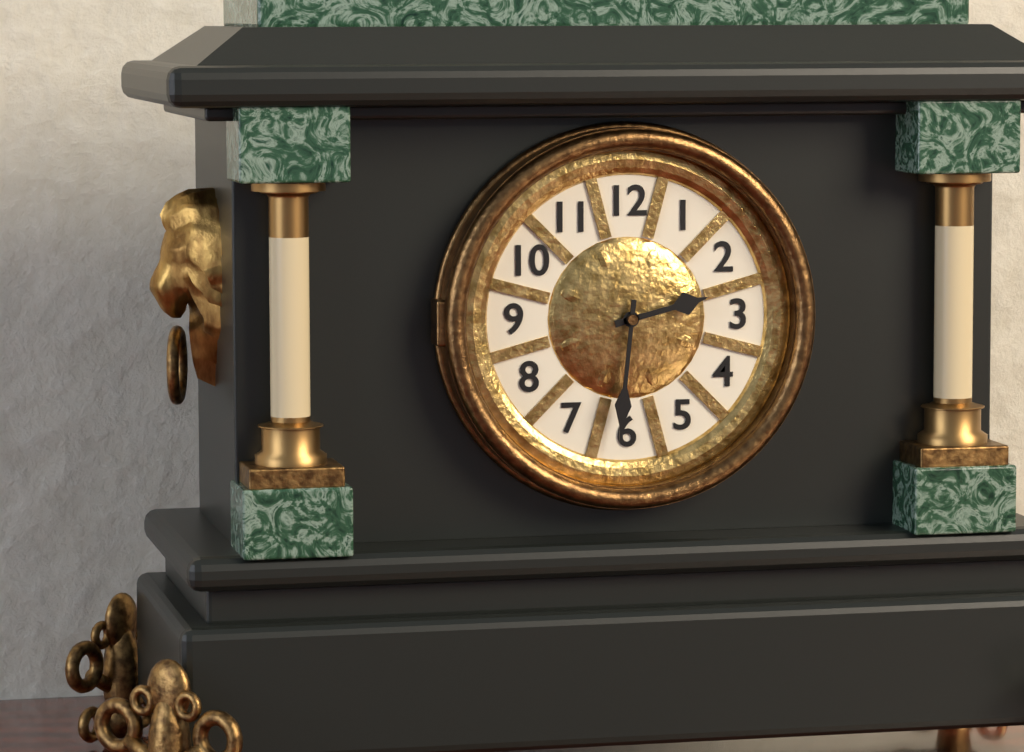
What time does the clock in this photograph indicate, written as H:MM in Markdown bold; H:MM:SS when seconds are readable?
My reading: **2:31**
